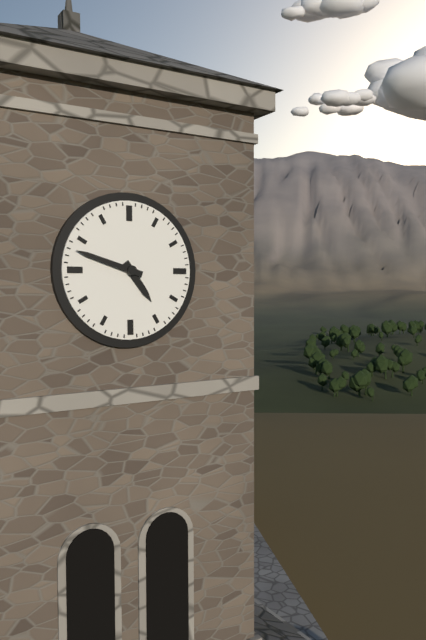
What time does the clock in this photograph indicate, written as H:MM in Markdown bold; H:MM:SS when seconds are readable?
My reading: **4:48**
